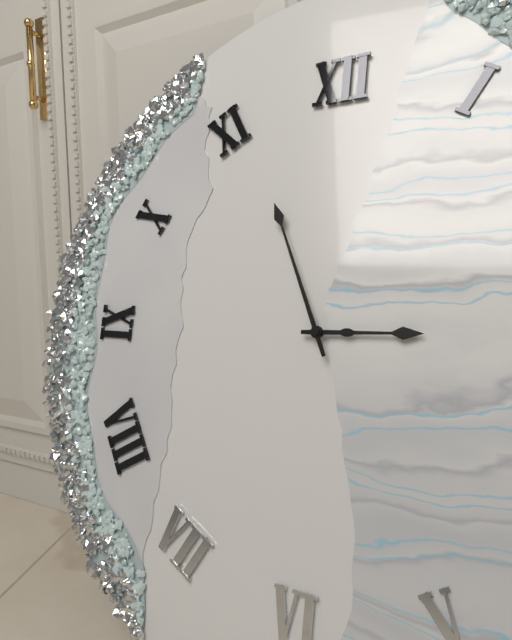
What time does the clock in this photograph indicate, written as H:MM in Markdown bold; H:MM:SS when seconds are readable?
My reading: **2:56**
